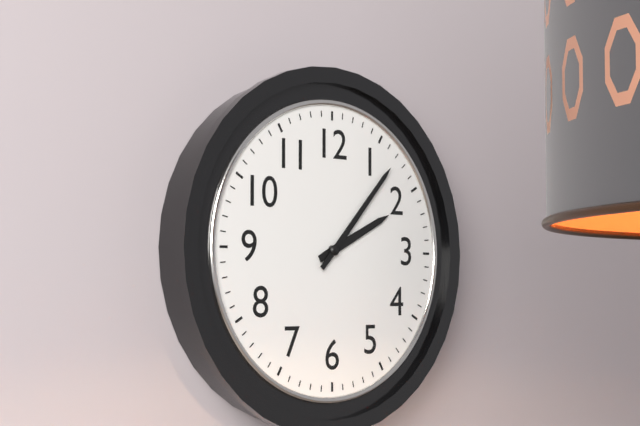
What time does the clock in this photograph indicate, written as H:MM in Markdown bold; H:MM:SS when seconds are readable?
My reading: **2:07**
